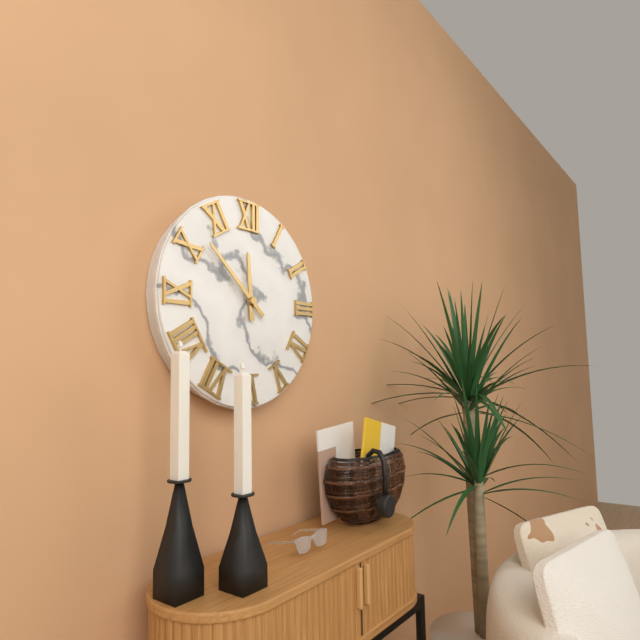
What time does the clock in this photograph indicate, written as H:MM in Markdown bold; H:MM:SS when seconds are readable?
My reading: **11:52**
